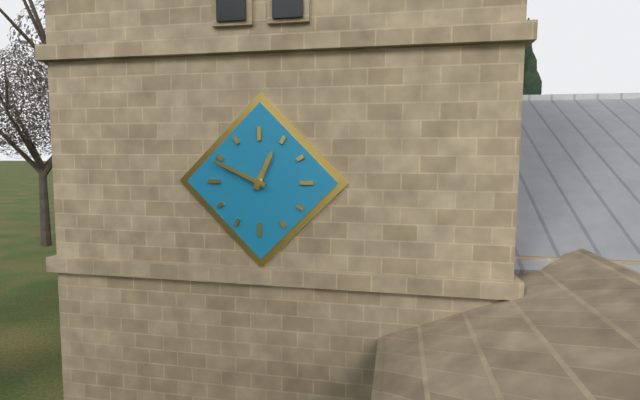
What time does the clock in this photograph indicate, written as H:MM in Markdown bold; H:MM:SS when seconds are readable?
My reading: **12:49**
